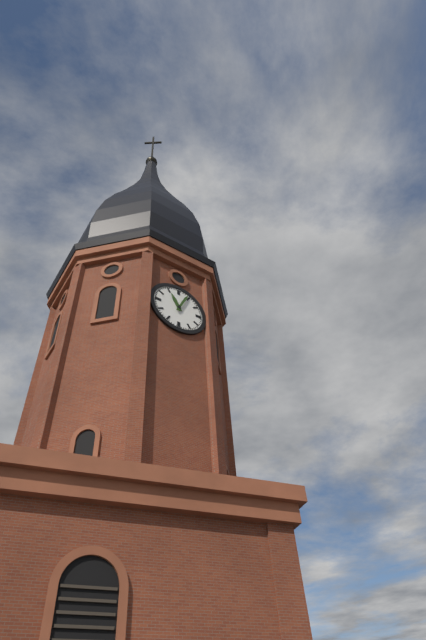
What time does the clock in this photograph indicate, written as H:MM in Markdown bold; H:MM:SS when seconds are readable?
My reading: **11:04**
